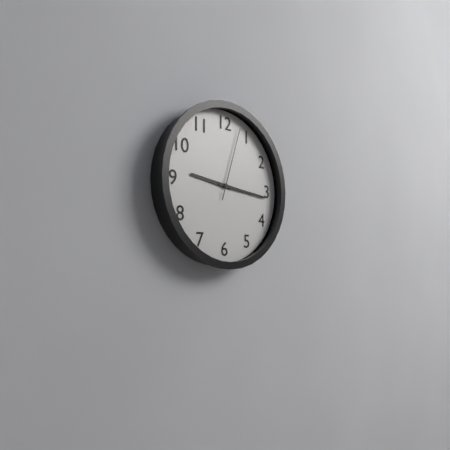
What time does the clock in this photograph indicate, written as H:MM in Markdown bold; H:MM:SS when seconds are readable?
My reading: **9:16:03**
